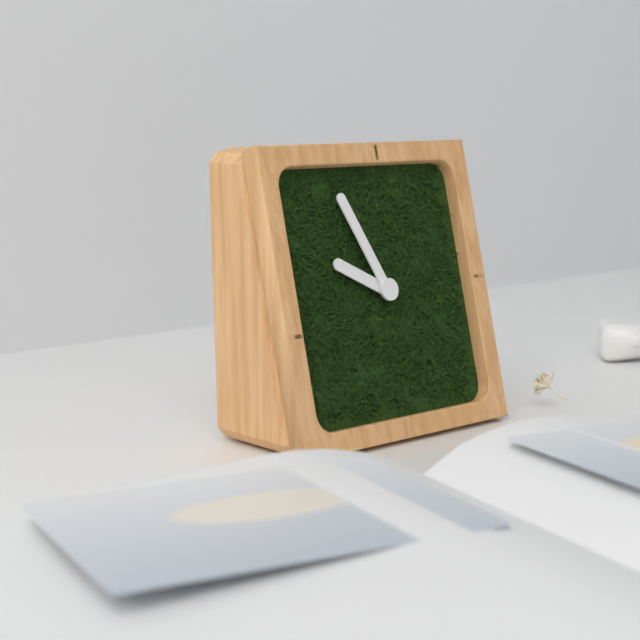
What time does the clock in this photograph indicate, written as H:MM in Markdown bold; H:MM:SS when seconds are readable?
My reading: **9:56**
